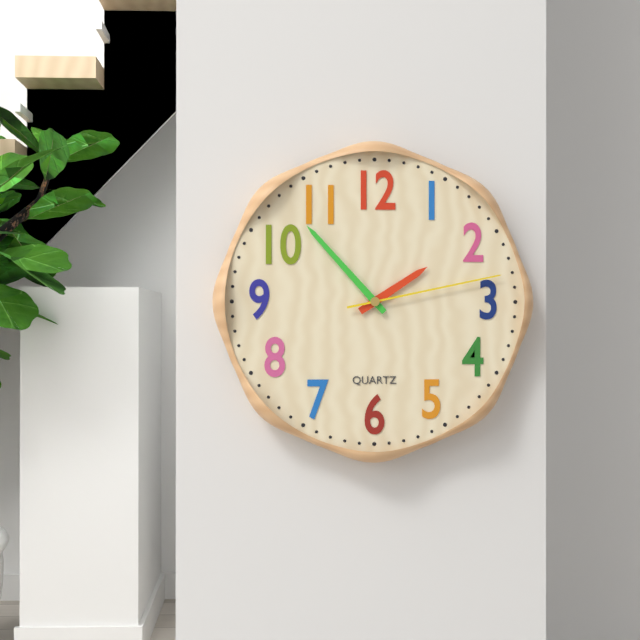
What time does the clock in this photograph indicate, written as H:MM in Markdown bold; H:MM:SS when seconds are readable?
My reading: **1:53:13**
